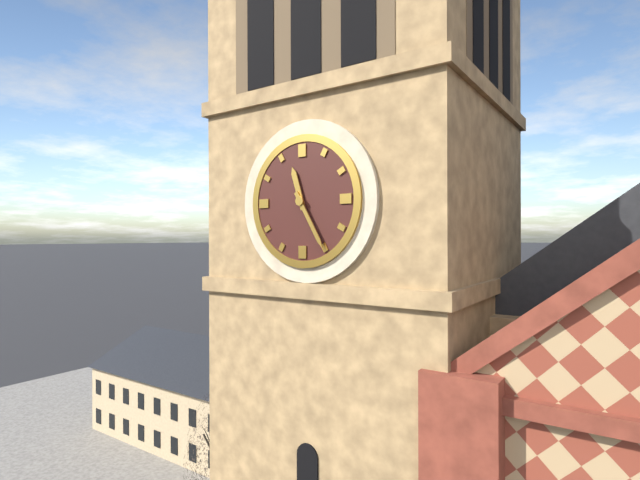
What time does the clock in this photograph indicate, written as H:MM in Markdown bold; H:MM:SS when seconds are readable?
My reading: **11:25**
